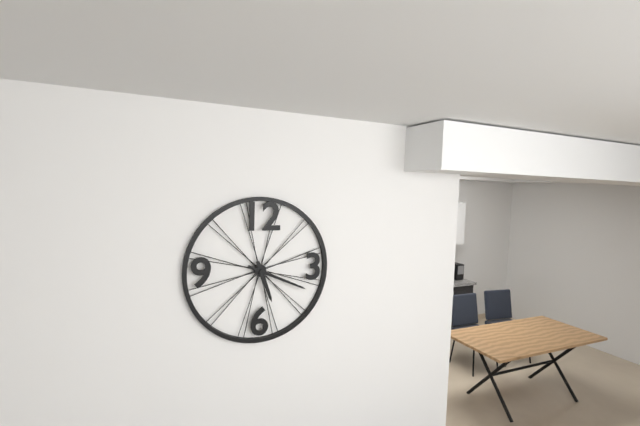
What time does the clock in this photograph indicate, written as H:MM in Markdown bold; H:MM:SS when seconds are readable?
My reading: **5:19**
